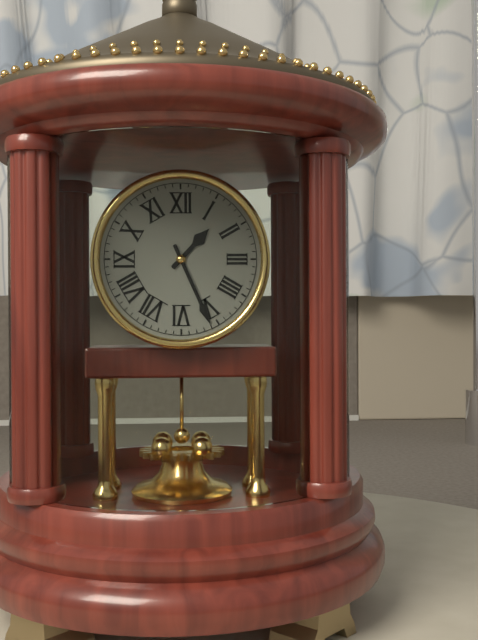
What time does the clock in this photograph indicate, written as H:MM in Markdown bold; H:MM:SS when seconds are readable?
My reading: **1:26**
